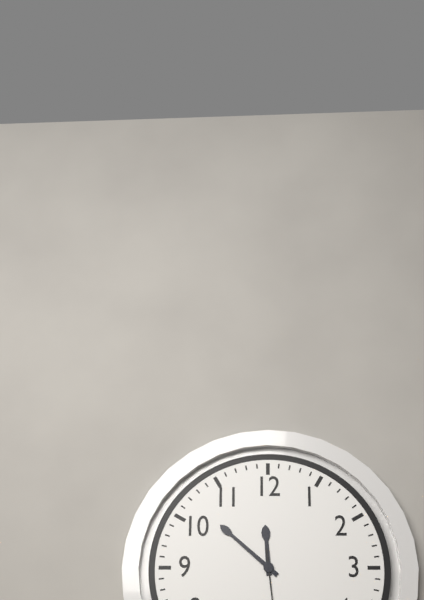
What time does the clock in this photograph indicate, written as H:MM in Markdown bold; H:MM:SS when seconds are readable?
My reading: **11:52**
